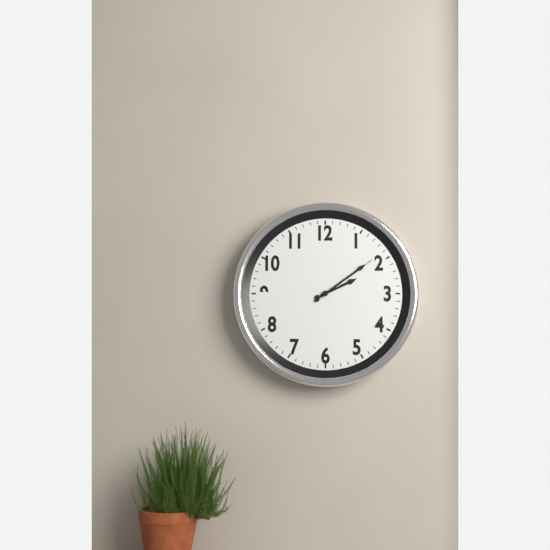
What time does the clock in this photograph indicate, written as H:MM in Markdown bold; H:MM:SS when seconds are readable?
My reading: **2:09:09**
